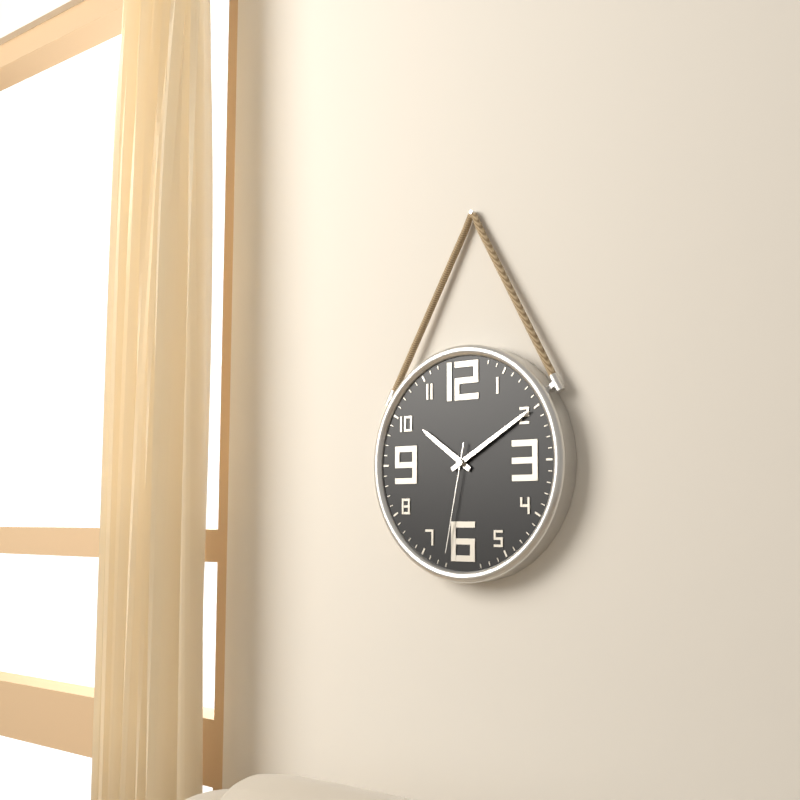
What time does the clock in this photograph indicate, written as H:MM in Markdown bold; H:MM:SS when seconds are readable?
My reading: **10:10:32**
